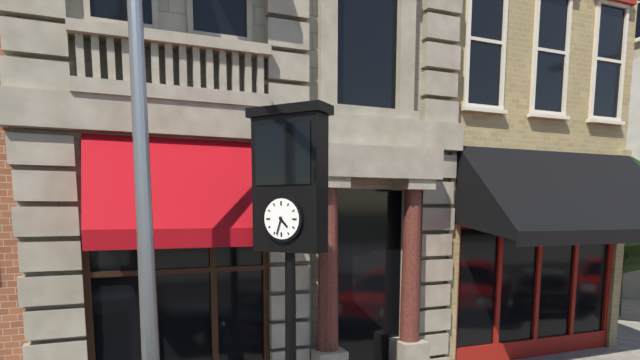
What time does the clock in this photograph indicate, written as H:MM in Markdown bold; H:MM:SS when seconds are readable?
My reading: **4:33**
